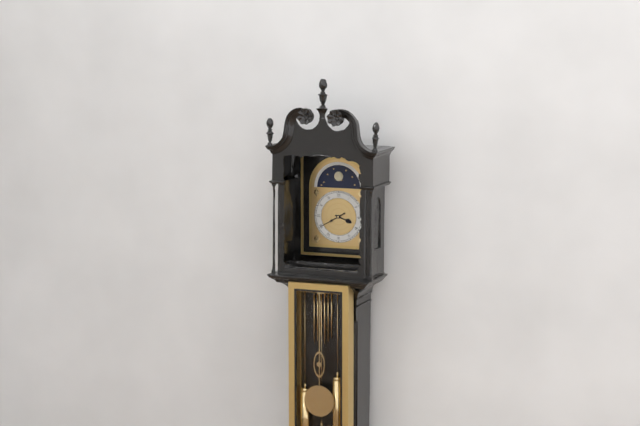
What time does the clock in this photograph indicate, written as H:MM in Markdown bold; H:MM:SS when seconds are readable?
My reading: **3:40**
